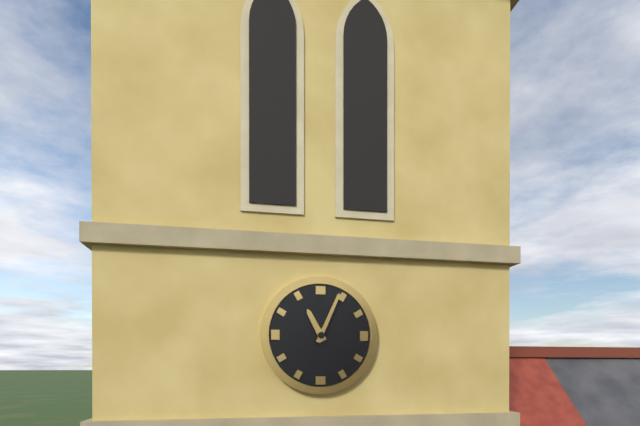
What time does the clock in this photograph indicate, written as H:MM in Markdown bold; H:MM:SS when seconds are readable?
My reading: **11:04**
